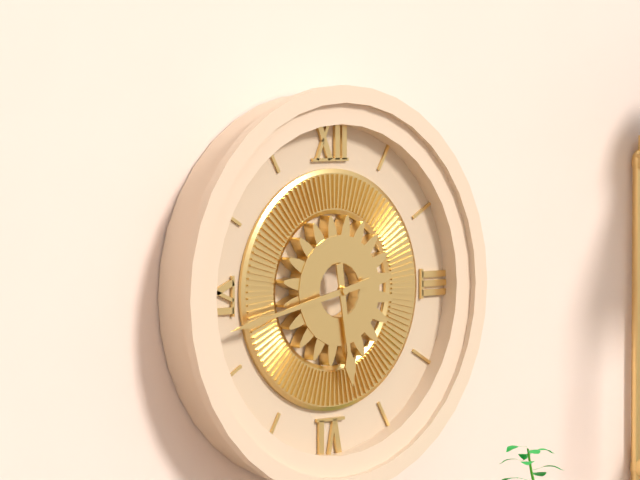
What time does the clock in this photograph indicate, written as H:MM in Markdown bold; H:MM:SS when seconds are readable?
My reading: **5:43**
